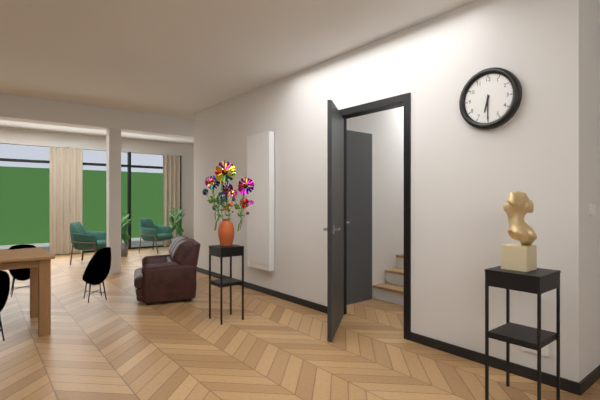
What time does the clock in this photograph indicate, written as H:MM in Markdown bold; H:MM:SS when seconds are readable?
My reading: **6:30**
